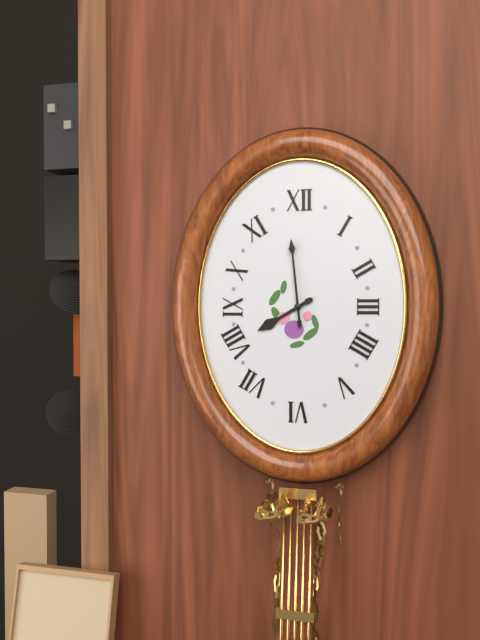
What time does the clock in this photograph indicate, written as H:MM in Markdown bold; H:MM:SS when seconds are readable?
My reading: **7:59**
